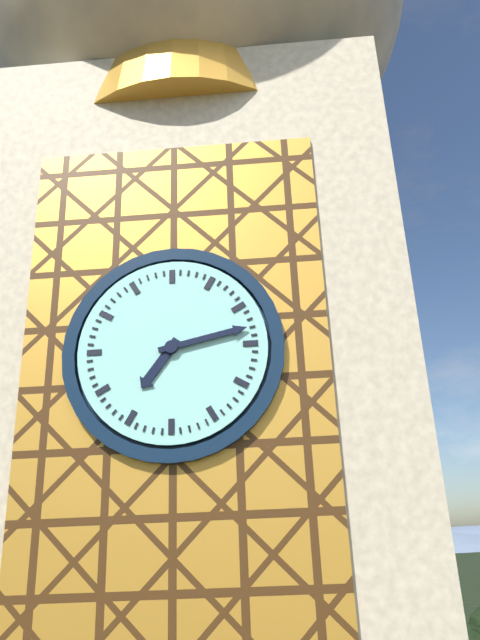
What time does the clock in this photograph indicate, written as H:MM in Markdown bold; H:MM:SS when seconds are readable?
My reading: **7:13**
